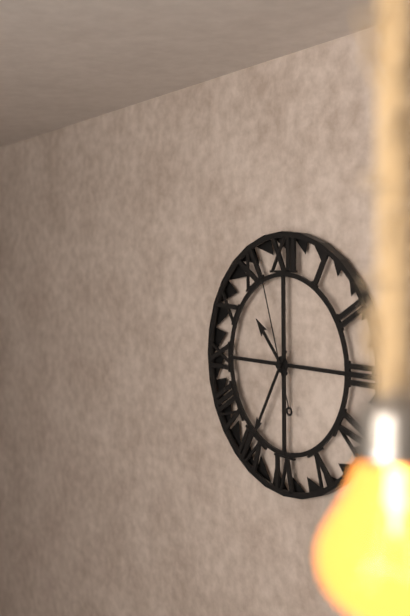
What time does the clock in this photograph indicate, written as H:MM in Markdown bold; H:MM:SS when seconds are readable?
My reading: **10:35:57**
